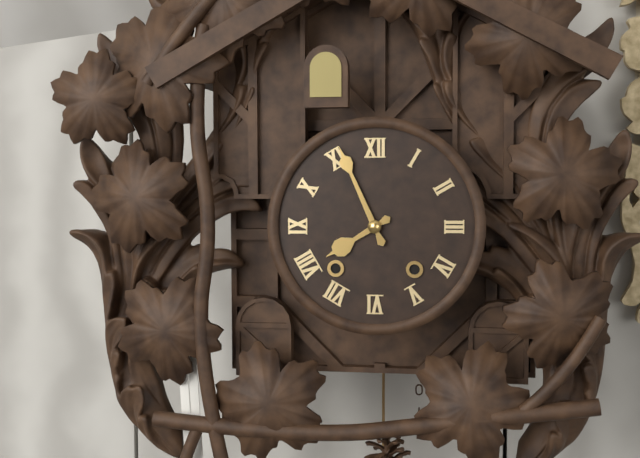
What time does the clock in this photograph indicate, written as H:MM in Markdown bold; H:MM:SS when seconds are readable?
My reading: **7:56**
